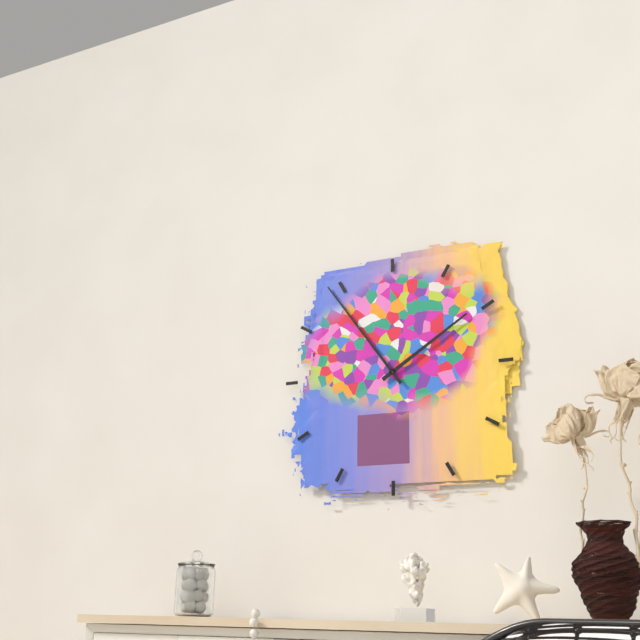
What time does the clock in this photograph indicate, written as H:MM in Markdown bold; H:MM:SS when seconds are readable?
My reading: **1:54**
